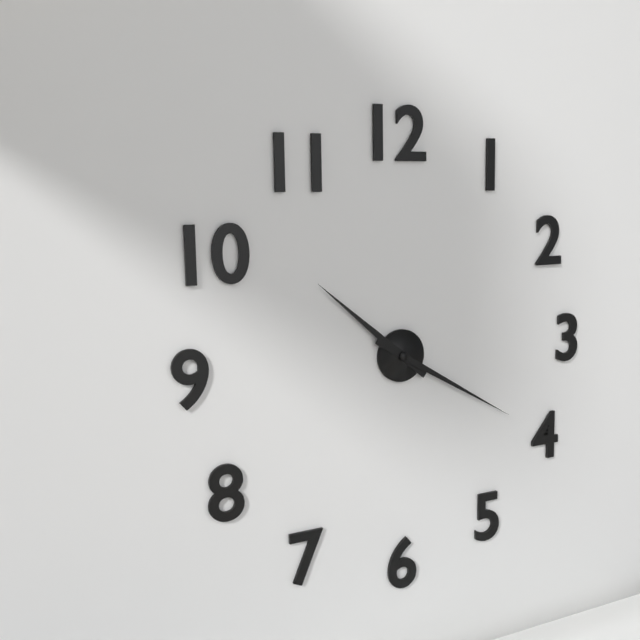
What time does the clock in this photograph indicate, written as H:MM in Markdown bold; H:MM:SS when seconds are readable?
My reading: **10:20**
